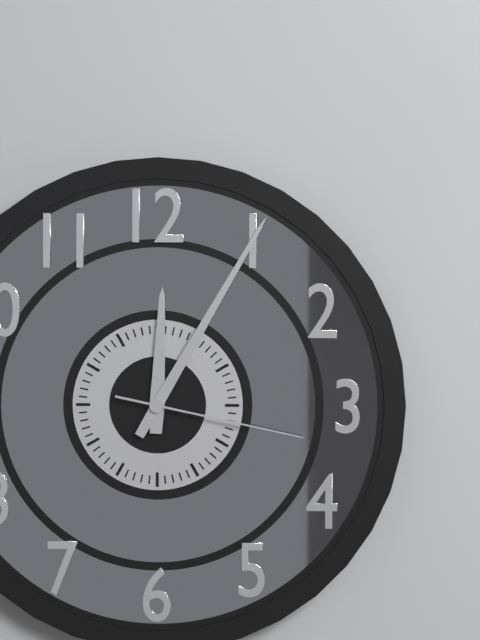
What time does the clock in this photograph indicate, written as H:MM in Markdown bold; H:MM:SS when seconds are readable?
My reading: **12:05:17**
